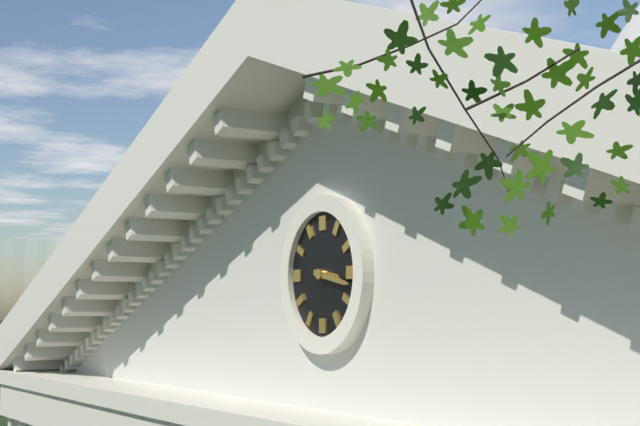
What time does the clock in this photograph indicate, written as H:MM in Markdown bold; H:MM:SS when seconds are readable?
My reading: **3:17**
